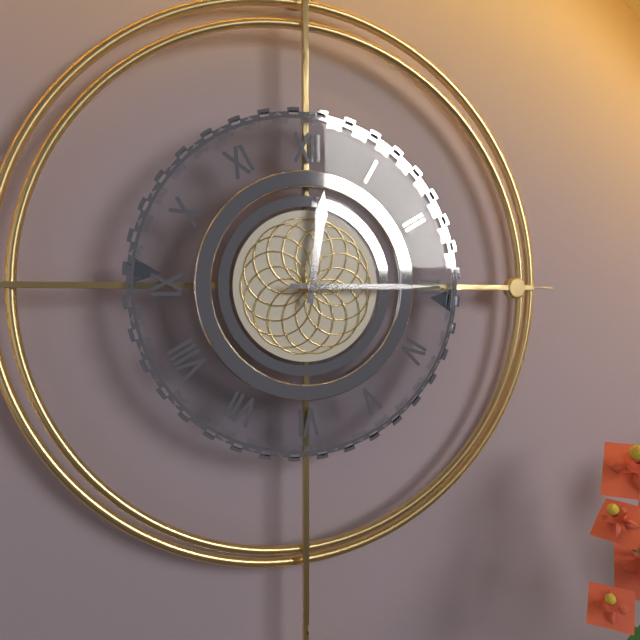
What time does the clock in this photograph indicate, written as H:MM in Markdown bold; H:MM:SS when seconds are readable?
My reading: **12:15**
